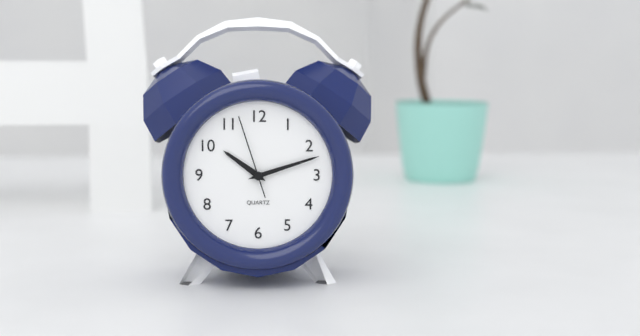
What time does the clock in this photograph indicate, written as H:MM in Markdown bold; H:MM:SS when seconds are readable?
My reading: **10:12:57**
